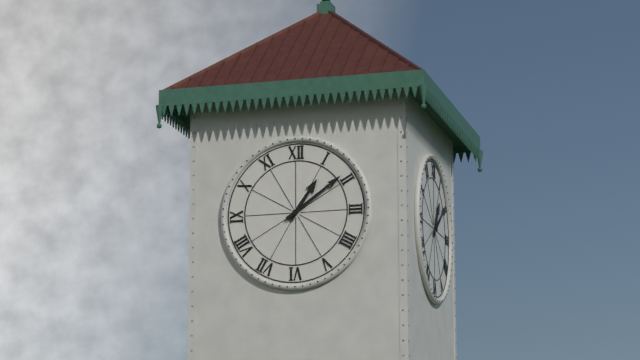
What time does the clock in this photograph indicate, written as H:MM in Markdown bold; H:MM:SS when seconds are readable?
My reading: **1:09**
